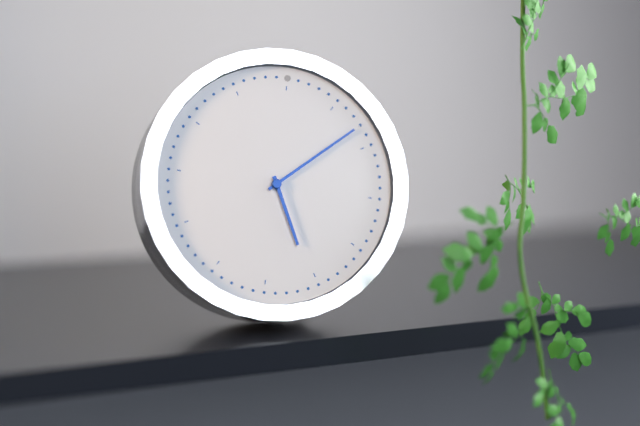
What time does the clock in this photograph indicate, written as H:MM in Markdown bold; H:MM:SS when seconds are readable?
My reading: **5:08**
